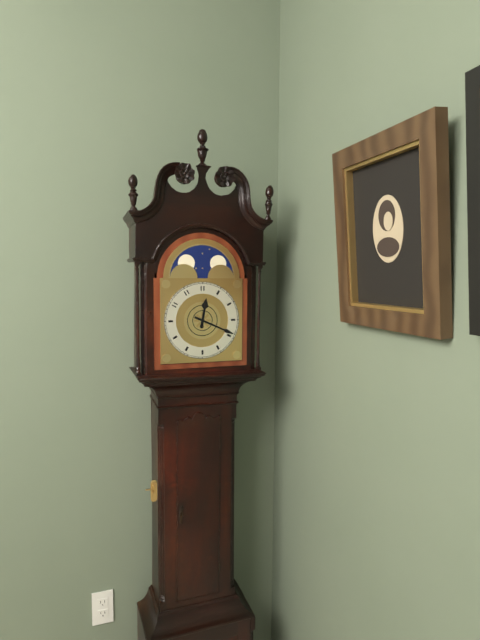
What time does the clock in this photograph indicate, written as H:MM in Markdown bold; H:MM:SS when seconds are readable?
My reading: **12:19**
